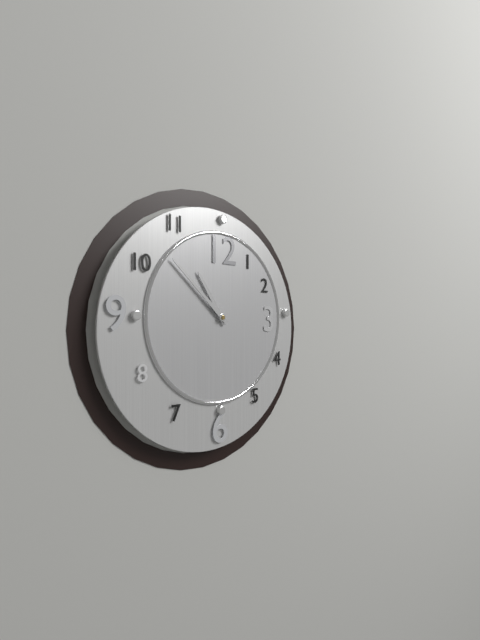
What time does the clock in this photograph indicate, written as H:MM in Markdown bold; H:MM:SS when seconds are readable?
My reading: **10:52**
